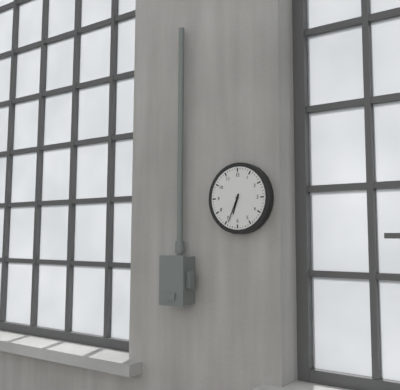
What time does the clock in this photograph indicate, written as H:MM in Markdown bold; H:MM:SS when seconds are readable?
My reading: **6:34**
